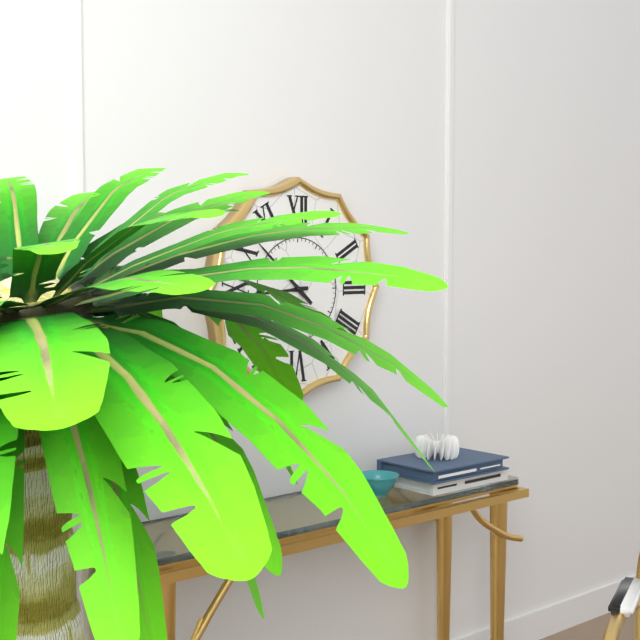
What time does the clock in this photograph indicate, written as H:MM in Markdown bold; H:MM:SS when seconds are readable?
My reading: **8:52**
